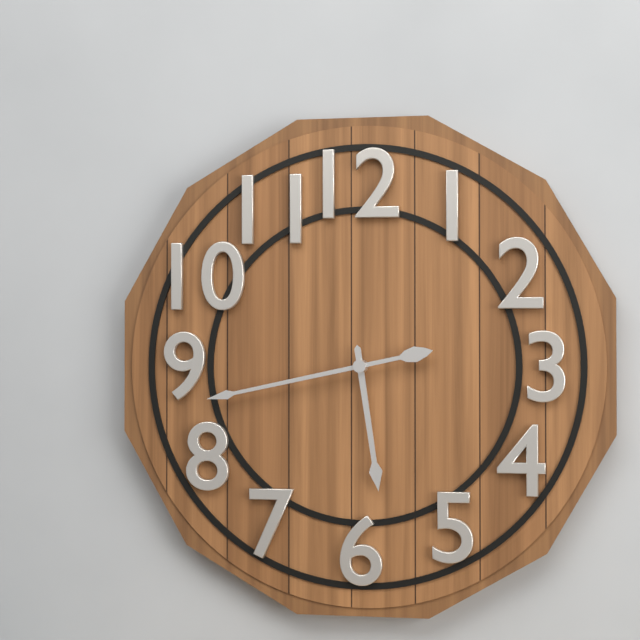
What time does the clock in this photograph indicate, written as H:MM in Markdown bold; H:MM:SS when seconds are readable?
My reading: **5:43**
